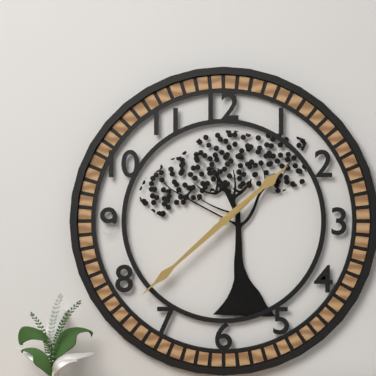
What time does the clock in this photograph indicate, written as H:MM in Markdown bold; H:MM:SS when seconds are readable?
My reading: **1:38**
